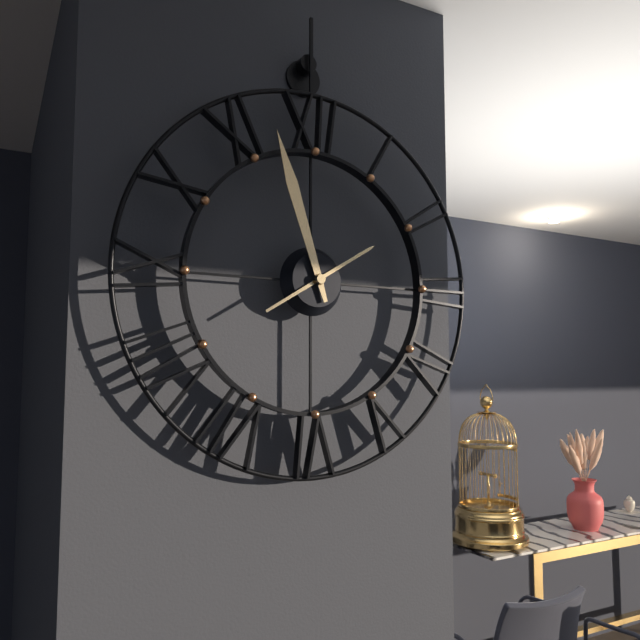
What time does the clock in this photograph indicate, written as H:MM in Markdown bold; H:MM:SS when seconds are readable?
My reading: **1:57**
